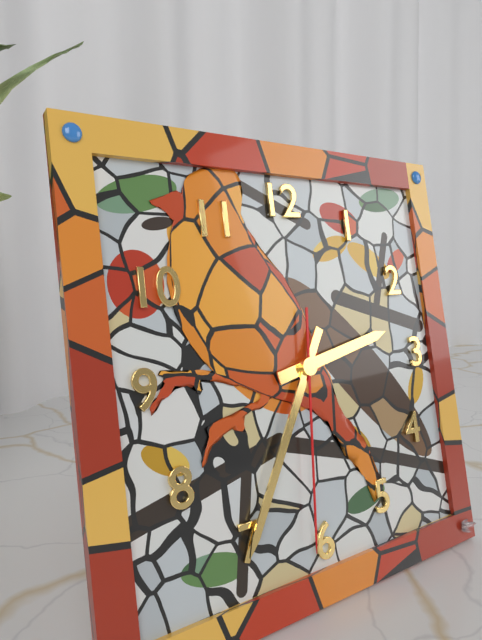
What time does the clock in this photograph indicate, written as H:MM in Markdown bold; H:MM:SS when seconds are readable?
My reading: **2:35:31**
